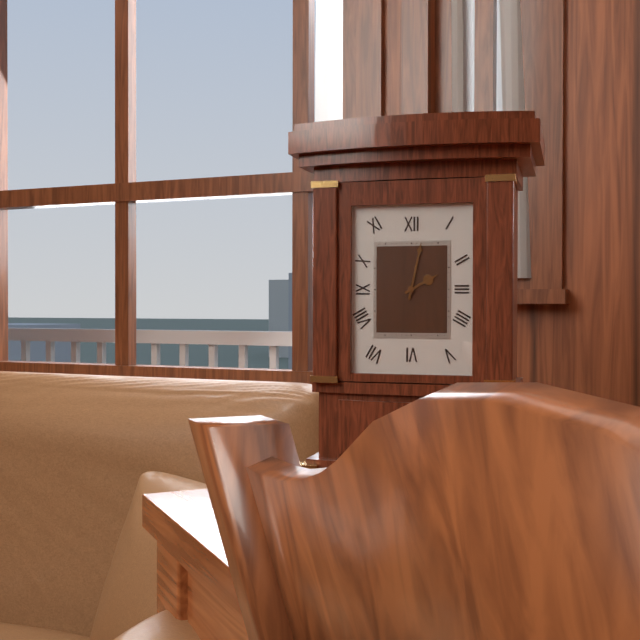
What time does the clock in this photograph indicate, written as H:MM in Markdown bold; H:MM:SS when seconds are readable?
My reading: **2:02**
